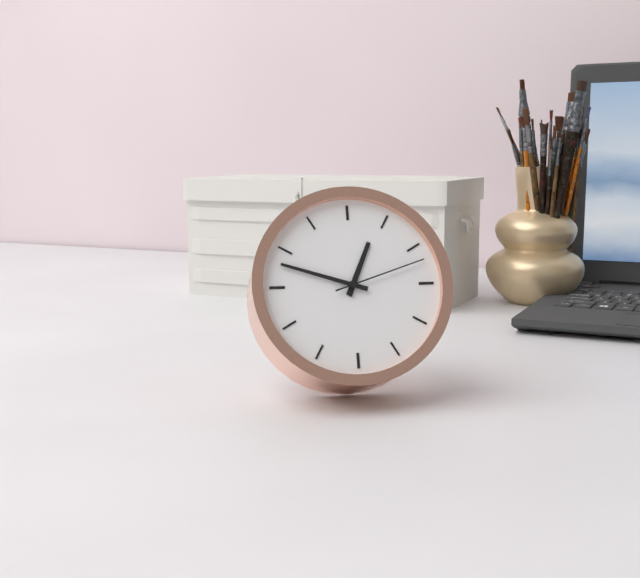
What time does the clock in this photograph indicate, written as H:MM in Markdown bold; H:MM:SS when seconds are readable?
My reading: **12:48:12**
